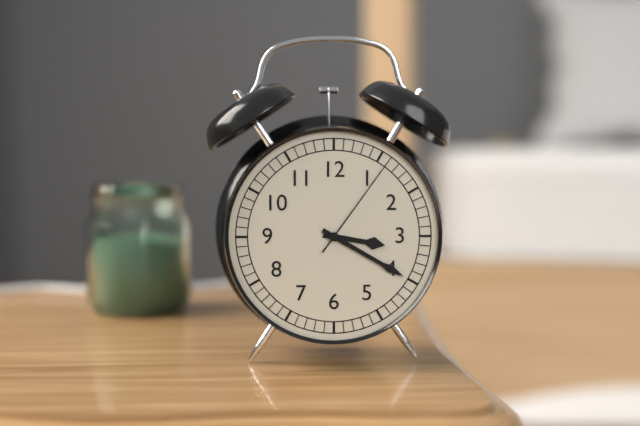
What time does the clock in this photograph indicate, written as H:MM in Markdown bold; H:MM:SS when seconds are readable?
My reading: **3:20:06**
